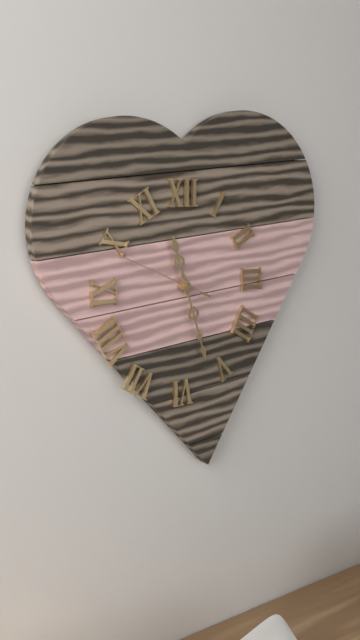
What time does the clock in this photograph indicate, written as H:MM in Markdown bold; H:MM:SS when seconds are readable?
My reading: **11:27:49**
